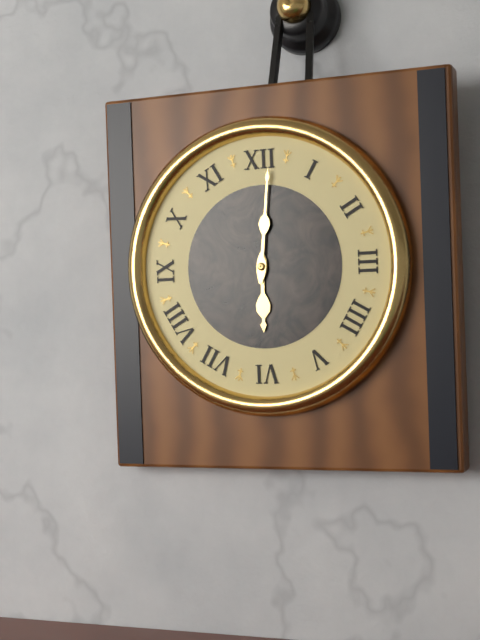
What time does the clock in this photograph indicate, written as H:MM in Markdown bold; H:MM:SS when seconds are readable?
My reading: **6:01**
